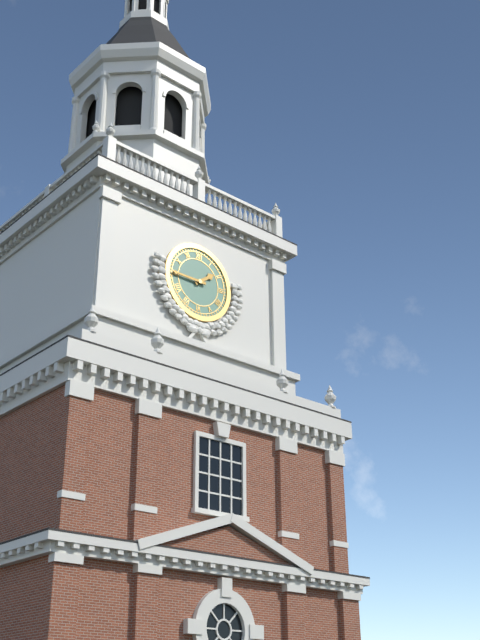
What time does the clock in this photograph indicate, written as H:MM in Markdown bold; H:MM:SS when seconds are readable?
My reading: **1:45**
